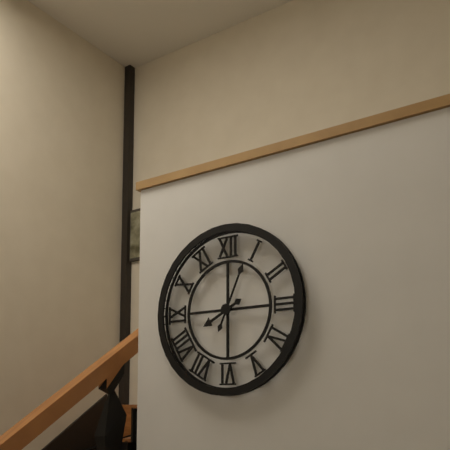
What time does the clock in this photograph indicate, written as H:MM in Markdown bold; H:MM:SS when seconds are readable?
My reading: **8:04**
